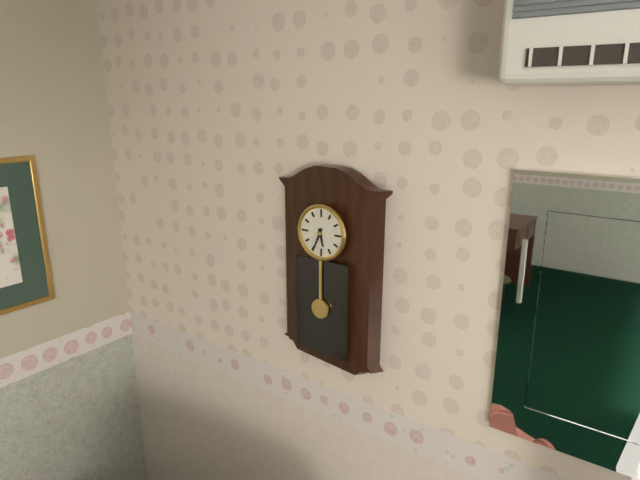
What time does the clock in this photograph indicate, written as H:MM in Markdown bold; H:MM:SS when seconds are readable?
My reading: **5:34**
